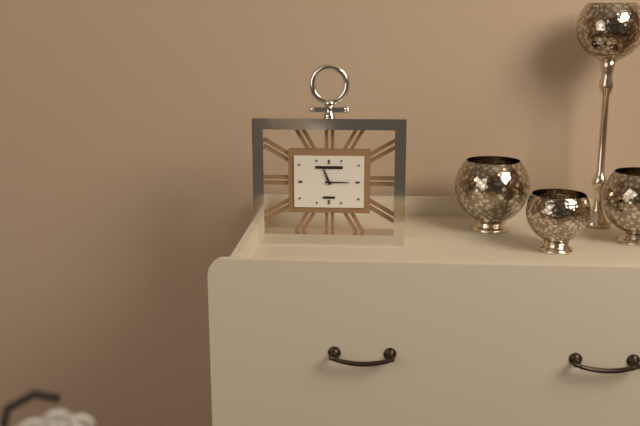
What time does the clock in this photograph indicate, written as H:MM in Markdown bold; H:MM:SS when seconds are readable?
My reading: **11:15**
